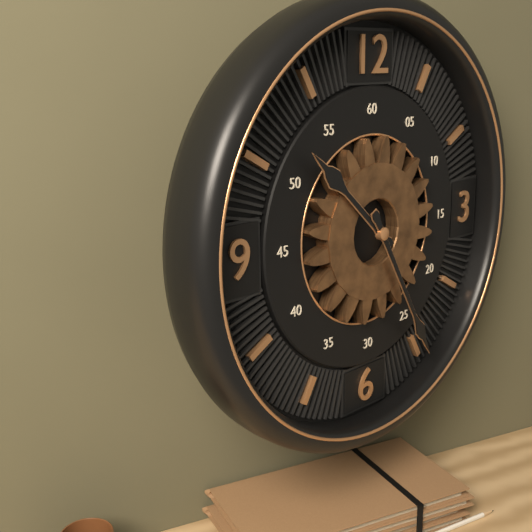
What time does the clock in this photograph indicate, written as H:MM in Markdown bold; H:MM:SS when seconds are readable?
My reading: **10:25**
